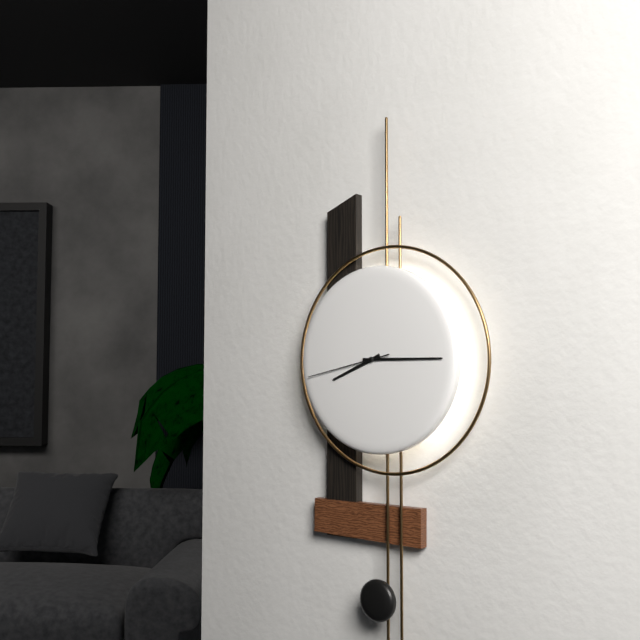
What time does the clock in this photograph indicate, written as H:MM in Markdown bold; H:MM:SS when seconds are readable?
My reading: **8:15:43**
